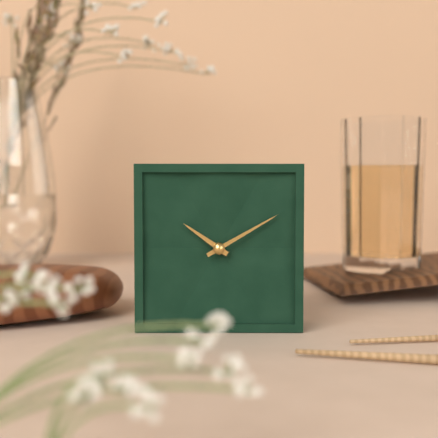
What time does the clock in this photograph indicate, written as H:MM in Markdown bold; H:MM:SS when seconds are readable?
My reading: **10:10**
